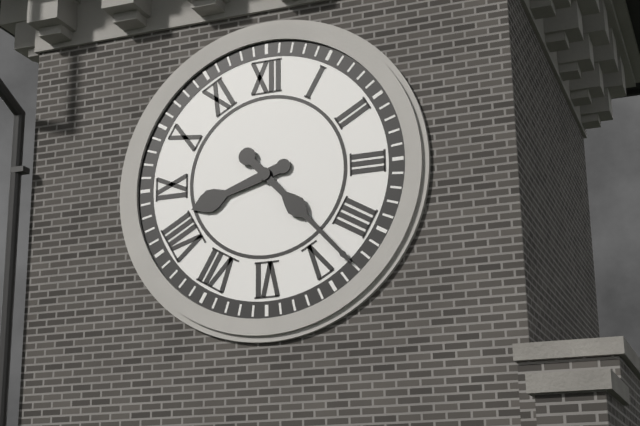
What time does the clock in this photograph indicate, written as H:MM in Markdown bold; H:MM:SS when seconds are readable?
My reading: **8:23**
